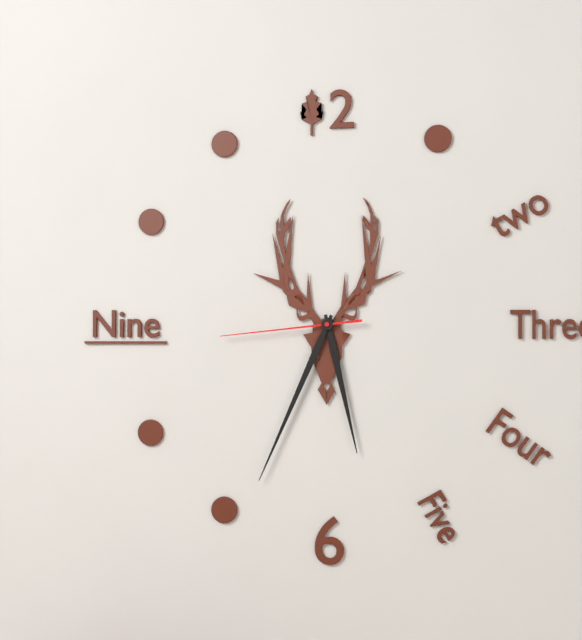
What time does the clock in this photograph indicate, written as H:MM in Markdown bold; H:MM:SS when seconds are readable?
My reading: **5:34:44**
